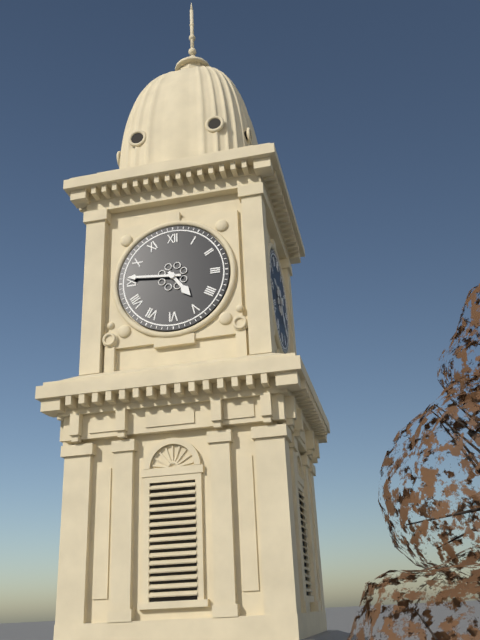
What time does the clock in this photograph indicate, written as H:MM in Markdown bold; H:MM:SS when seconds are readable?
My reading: **4:46**
